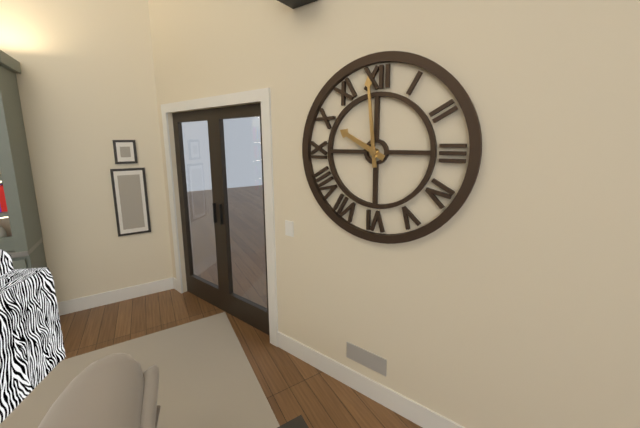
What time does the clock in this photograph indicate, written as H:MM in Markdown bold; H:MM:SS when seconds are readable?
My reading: **9:59**
